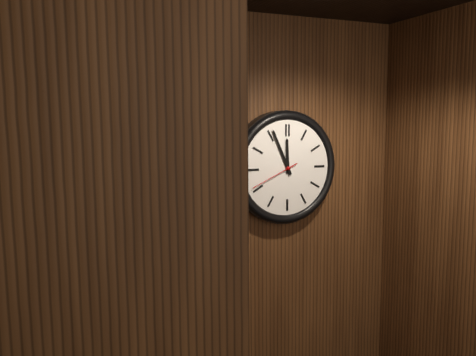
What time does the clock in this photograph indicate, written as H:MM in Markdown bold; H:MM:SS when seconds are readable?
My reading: **11:56**
